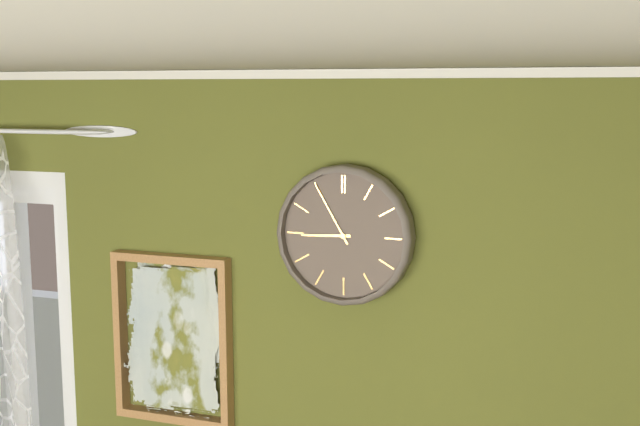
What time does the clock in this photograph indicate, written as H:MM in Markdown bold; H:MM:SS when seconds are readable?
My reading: **8:55**
